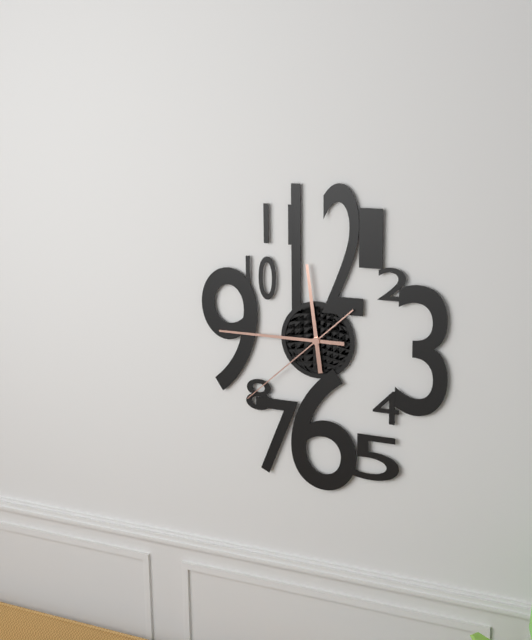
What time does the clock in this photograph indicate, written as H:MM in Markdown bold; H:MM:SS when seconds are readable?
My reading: **11:45:38**
